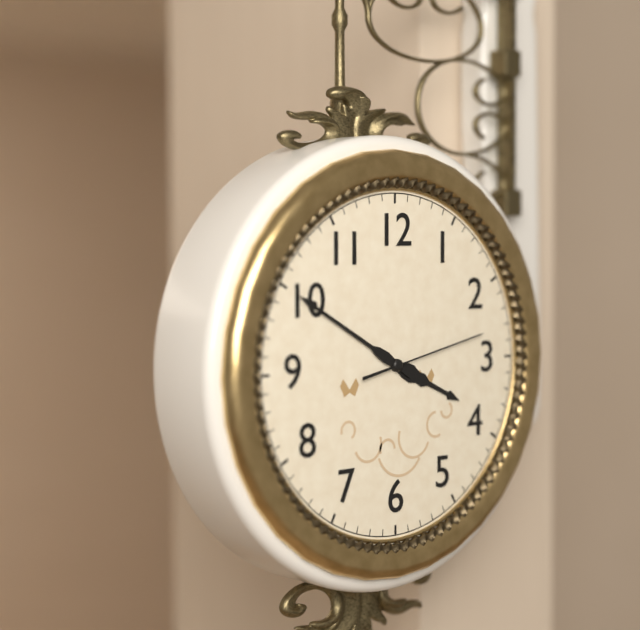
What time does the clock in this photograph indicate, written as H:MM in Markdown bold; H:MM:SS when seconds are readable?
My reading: **3:50:13**
